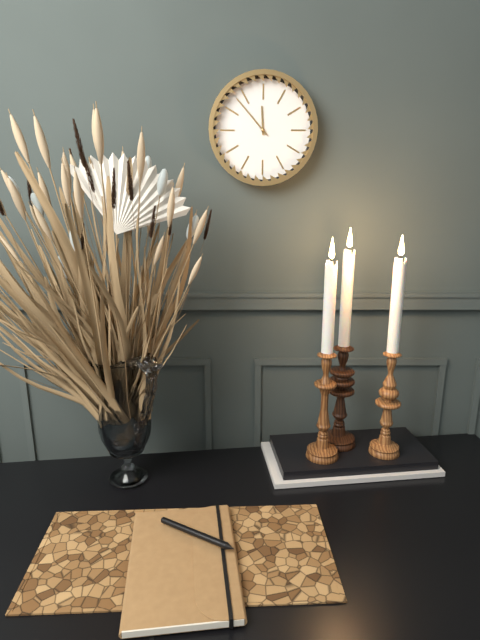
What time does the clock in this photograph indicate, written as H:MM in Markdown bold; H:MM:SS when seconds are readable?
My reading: **11:53**
